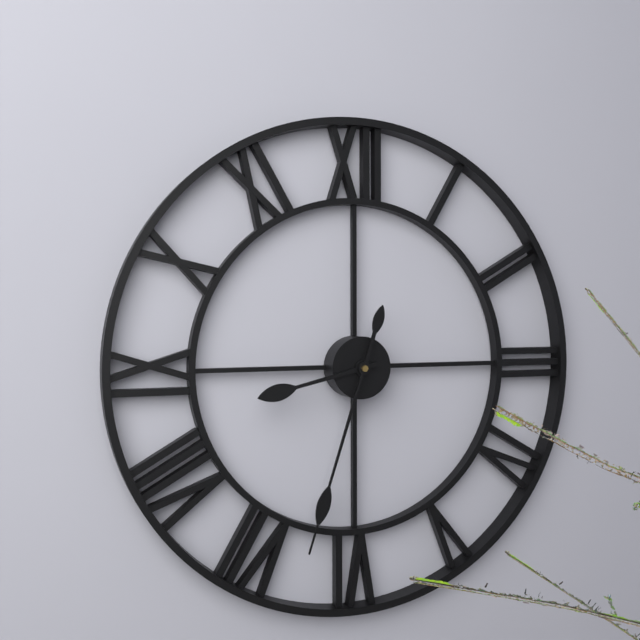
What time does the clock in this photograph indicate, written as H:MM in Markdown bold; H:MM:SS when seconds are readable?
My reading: **8:33**
